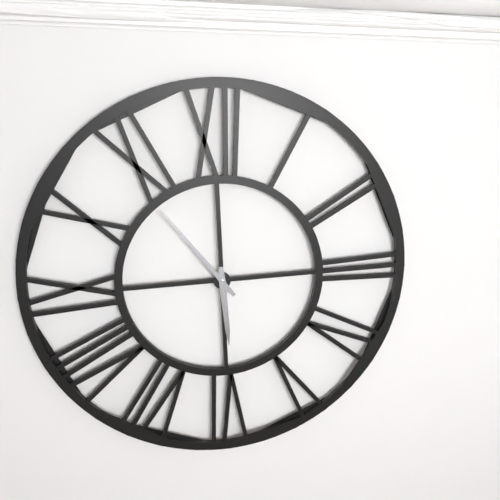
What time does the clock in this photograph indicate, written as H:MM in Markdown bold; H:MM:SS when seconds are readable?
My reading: **5:54**
